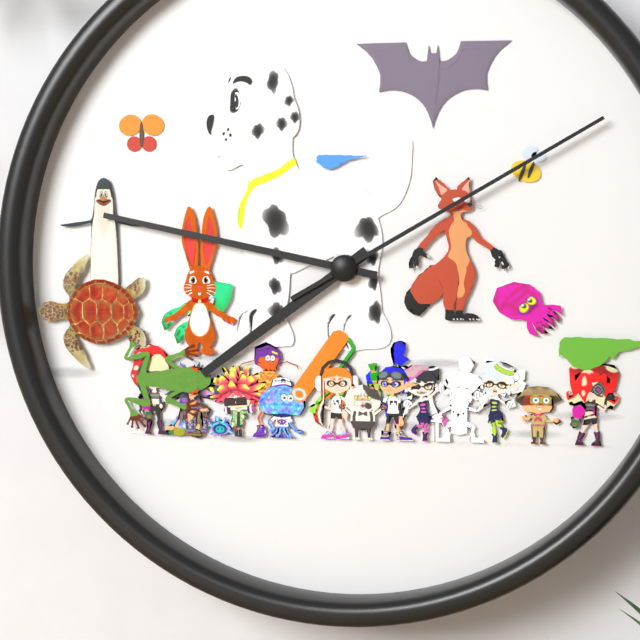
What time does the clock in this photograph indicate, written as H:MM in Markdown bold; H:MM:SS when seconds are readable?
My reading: **7:47:10**
